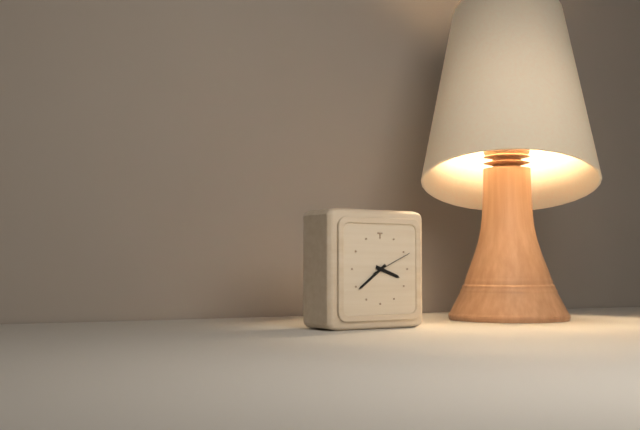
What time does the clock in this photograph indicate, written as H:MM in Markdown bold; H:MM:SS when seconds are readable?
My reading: **3:39**
